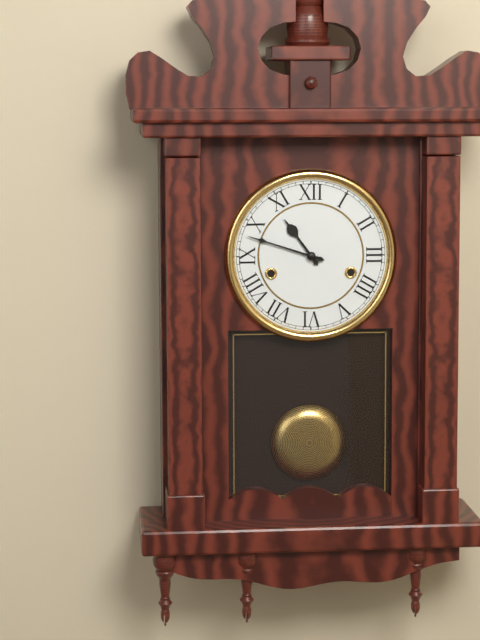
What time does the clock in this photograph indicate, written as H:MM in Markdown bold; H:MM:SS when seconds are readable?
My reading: **10:48**
